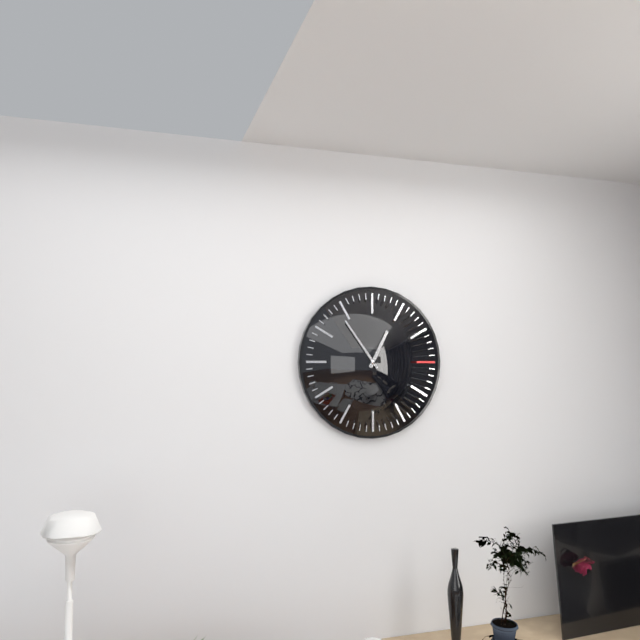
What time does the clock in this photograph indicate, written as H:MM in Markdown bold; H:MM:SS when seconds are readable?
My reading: **12:54**
